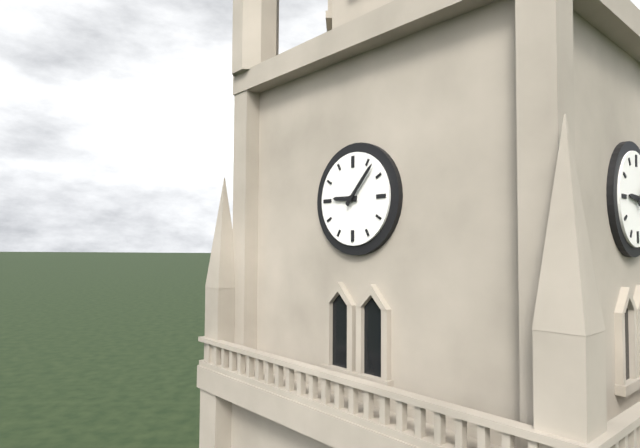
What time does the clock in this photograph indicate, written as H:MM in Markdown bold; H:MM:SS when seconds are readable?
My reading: **9:07**
